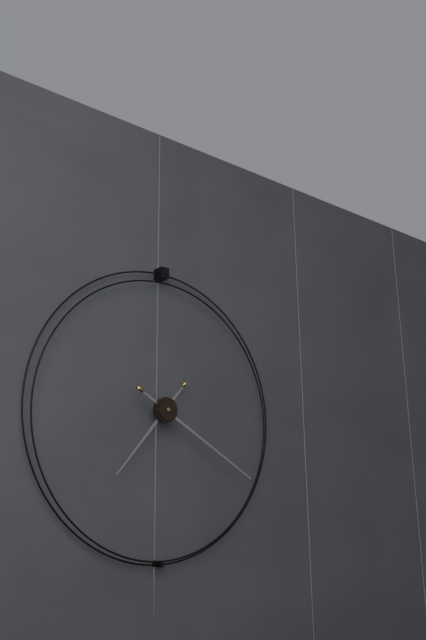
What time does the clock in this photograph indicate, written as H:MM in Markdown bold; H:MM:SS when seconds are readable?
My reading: **7:20**
